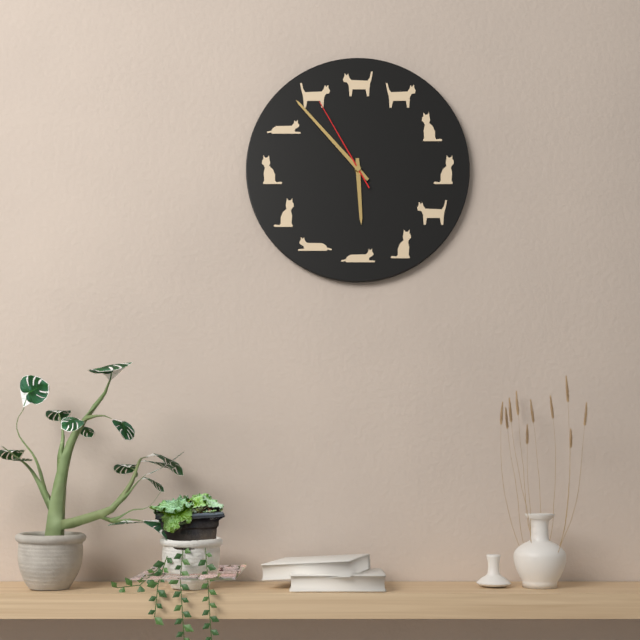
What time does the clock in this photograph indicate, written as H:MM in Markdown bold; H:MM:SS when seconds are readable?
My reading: **5:53:55**
